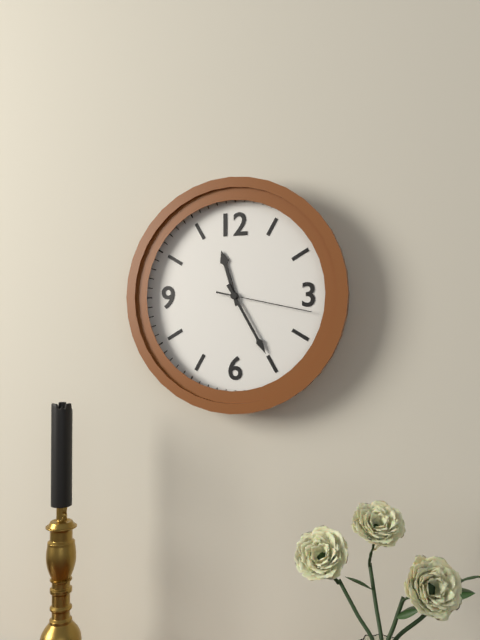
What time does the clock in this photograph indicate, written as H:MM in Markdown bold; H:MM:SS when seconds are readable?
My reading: **11:25:17**
